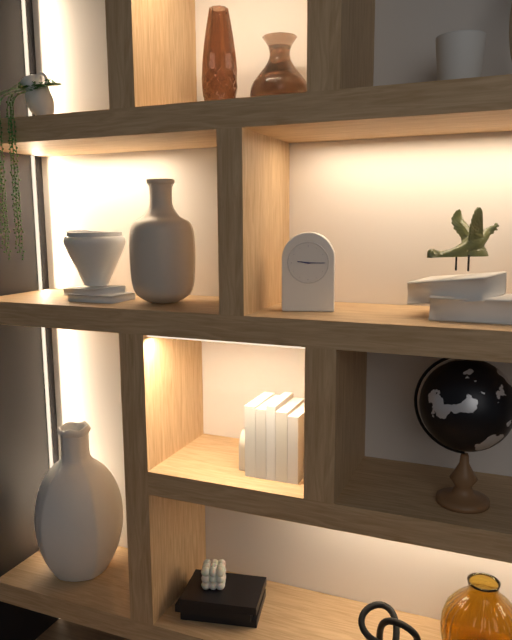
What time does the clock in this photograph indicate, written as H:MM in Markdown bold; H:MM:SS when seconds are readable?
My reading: **9:15**
